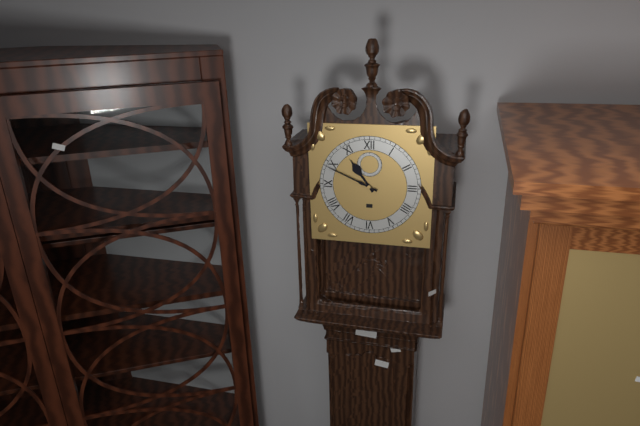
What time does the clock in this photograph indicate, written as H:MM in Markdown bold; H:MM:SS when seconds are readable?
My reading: **10:49**
